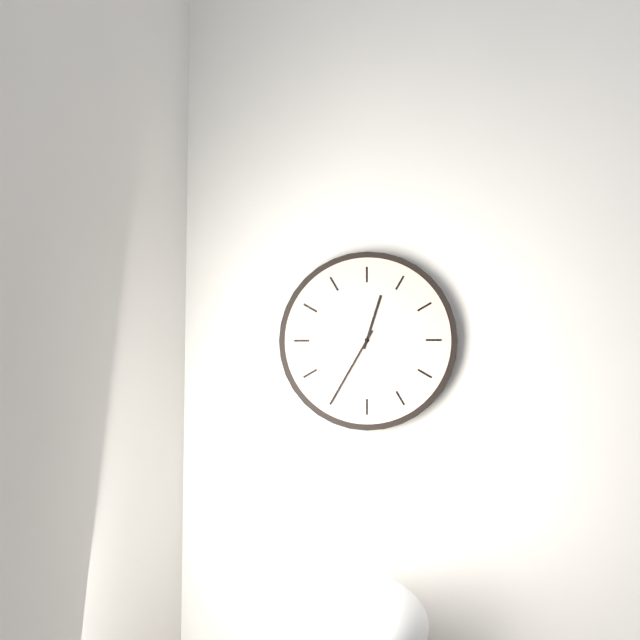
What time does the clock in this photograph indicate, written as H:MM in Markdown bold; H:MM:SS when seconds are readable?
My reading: **12:35**
